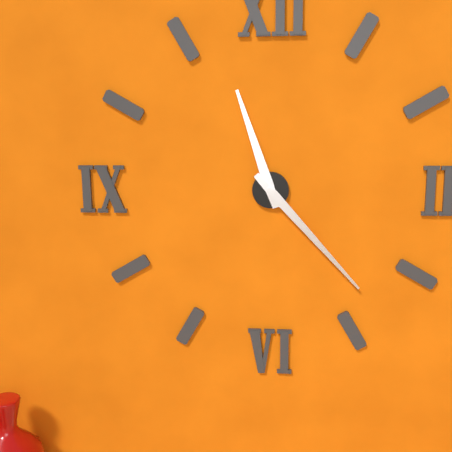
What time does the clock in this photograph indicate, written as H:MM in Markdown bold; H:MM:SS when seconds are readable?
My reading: **11:23**
